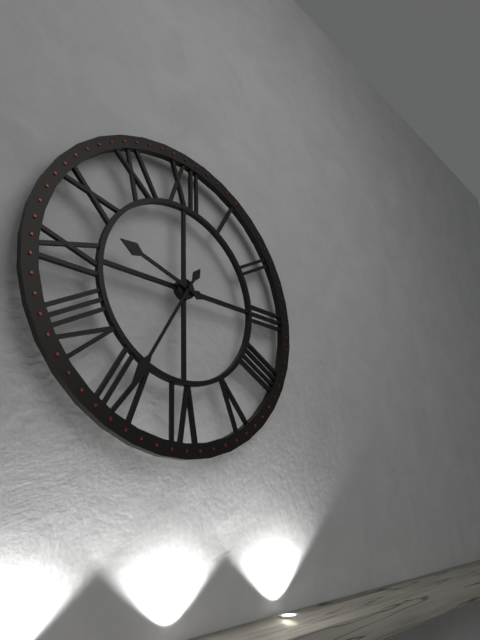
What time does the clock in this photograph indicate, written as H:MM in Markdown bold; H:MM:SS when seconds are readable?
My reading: **9:35**
